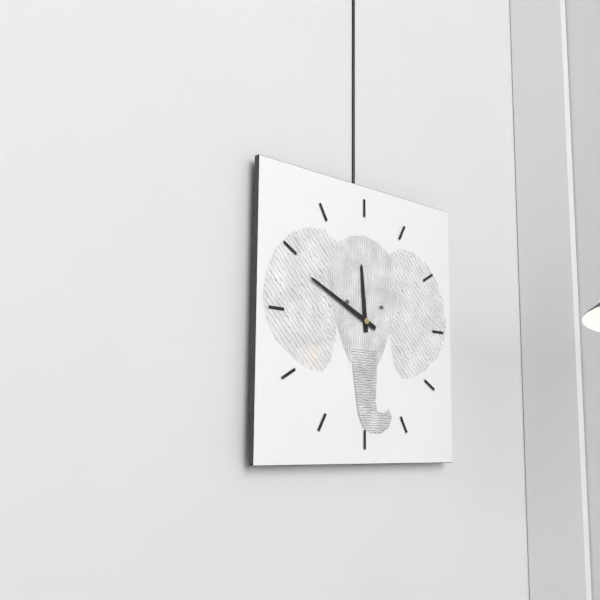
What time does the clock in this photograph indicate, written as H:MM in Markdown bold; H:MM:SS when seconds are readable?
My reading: **11:49**
